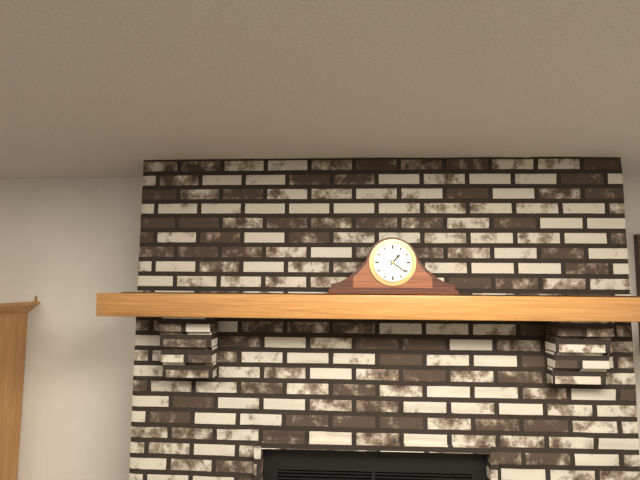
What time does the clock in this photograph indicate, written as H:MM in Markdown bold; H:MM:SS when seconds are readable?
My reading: **1:21**
